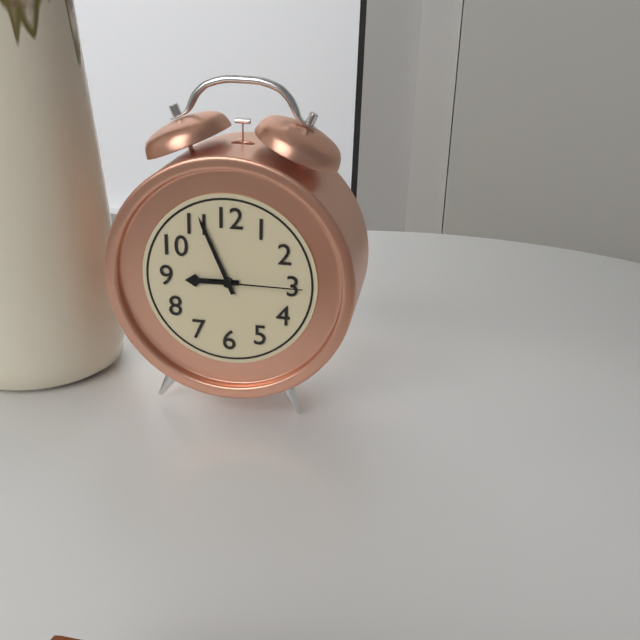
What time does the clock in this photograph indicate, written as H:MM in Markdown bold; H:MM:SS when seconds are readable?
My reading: **8:56:15**
